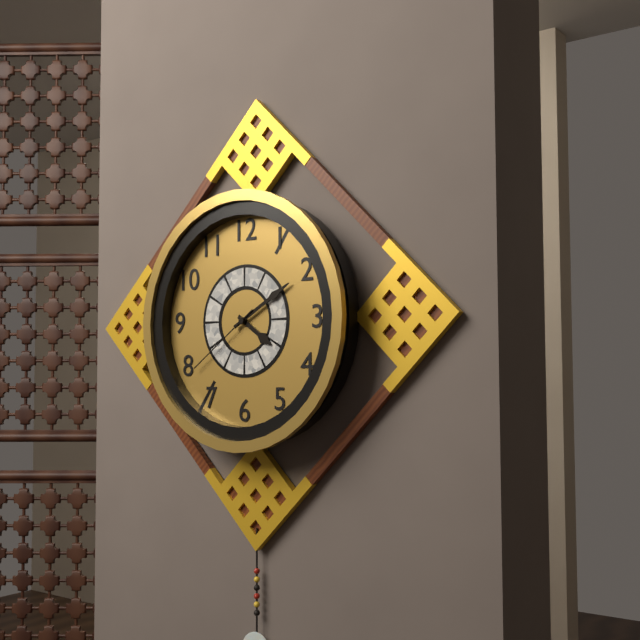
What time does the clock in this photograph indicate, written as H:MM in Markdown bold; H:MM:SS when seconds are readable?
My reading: **4:10:39**
